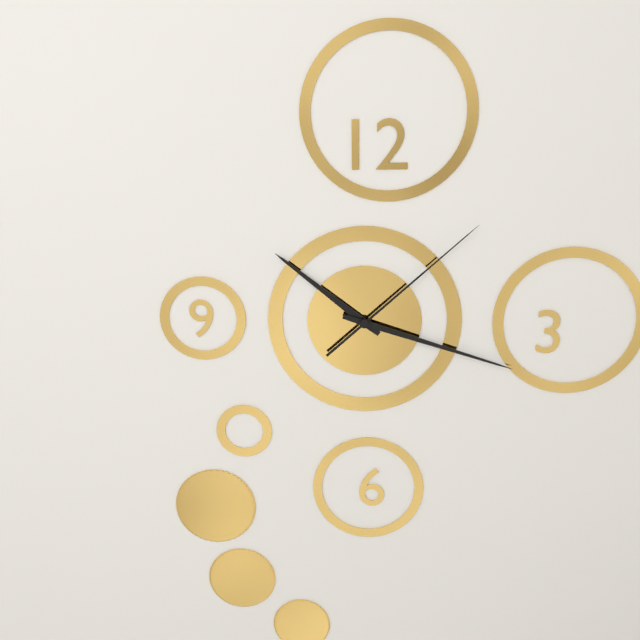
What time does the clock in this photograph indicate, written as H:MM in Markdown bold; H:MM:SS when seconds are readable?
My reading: **10:18:08**
